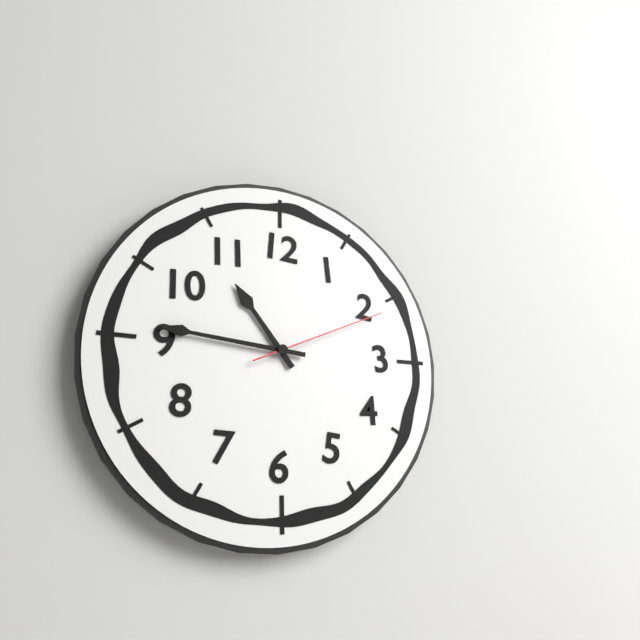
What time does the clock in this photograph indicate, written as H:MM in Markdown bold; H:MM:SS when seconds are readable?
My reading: **10:46:11**
